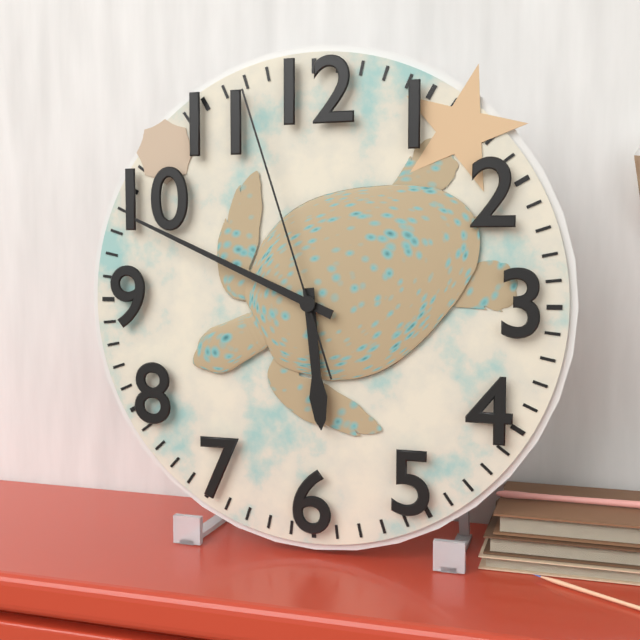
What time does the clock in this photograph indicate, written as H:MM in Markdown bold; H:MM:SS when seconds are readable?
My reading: **5:49:57**
